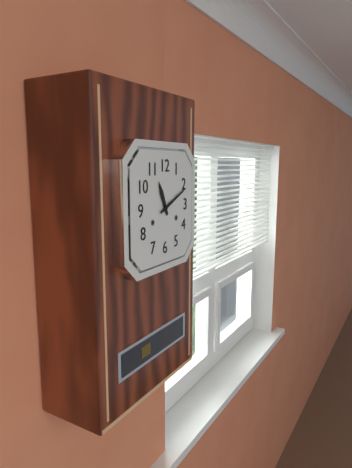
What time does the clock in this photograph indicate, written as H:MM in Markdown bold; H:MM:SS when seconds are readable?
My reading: **11:11**
